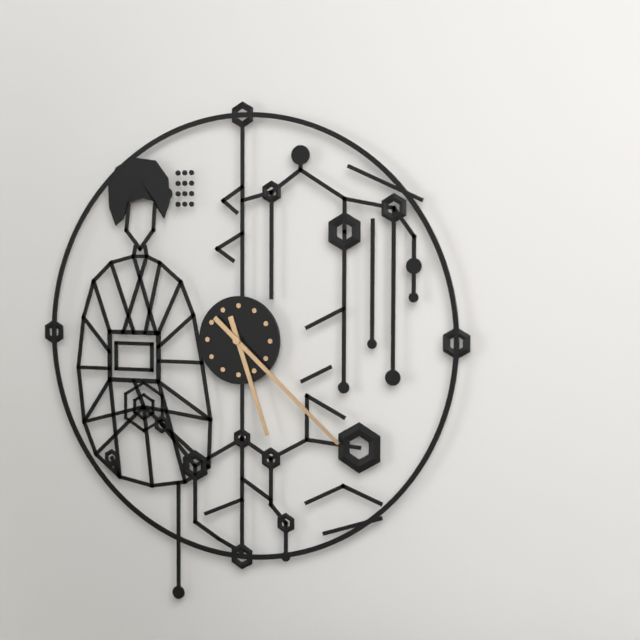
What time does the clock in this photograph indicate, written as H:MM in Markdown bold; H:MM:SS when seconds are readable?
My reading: **5:22**
